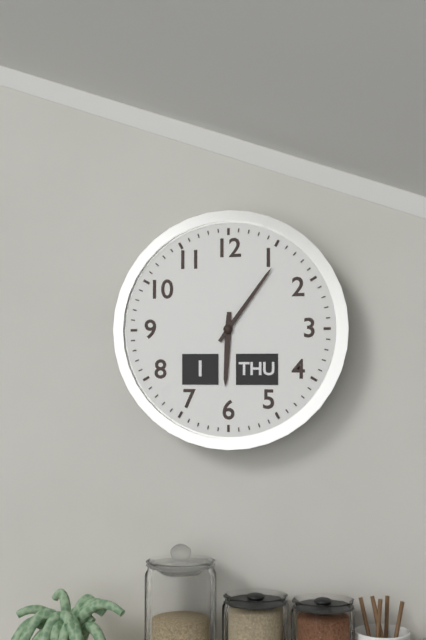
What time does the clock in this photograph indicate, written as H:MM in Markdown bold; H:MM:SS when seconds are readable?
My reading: **6:06**
